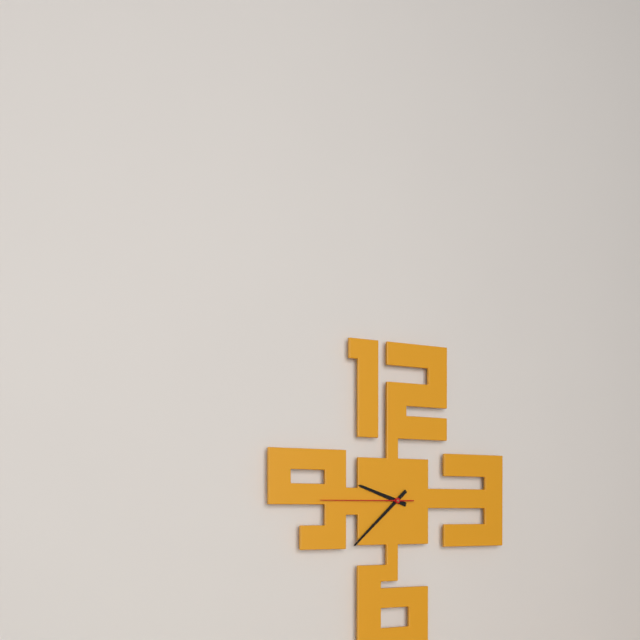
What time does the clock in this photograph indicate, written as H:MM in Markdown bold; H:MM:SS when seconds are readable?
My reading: **9:38:45**
